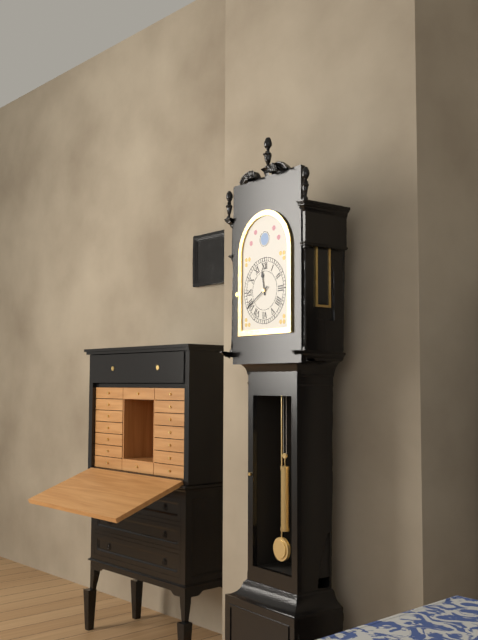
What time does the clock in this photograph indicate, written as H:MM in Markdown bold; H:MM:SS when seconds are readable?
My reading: **11:40**
